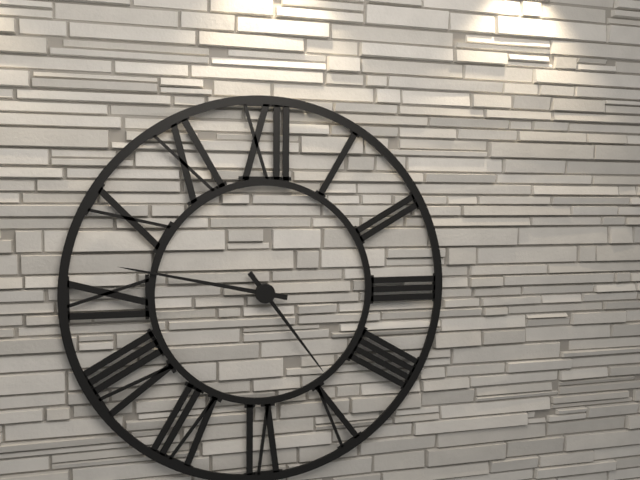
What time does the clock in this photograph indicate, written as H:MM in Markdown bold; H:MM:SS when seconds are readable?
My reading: **4:47**
